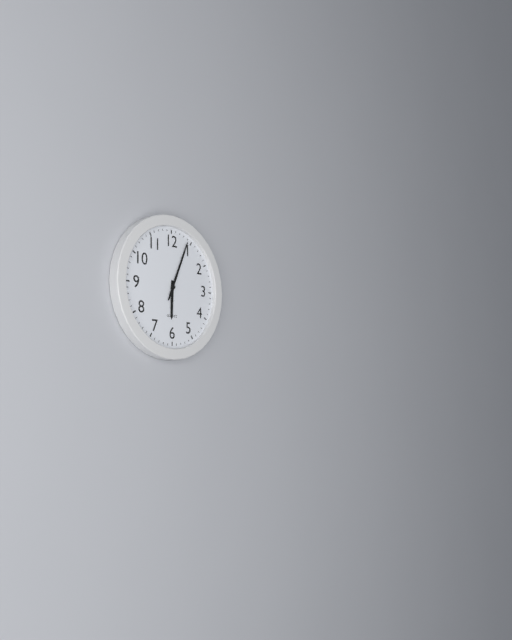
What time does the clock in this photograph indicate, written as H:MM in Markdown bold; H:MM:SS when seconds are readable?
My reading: **6:04**
